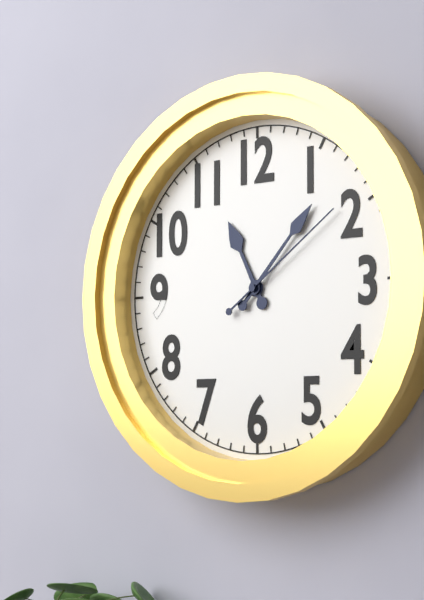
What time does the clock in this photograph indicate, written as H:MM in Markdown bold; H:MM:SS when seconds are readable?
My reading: **11:07:09**
